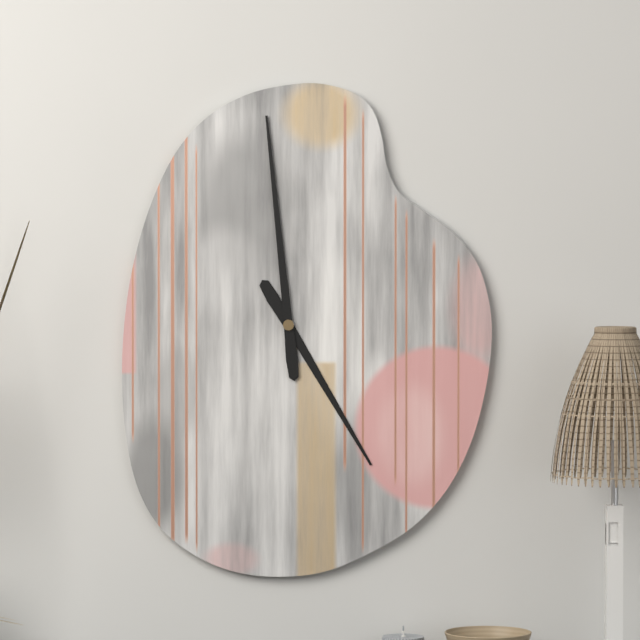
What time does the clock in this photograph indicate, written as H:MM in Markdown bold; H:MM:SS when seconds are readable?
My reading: **4:59**
